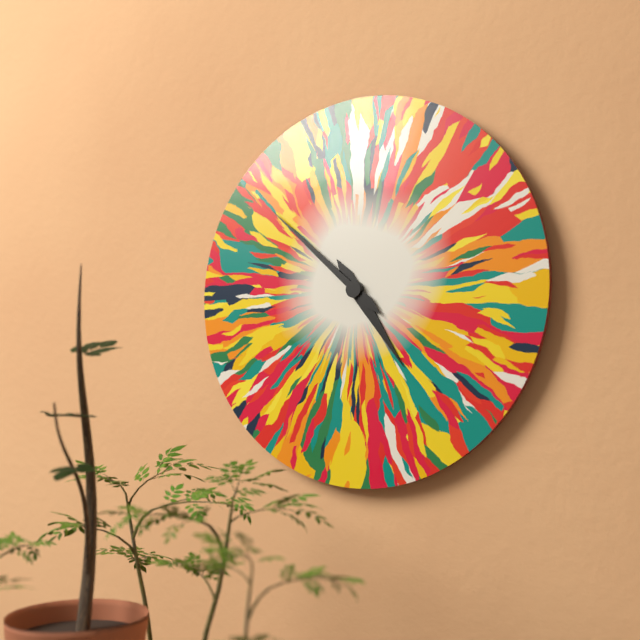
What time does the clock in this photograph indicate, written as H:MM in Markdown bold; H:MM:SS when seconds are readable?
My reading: **4:52**
